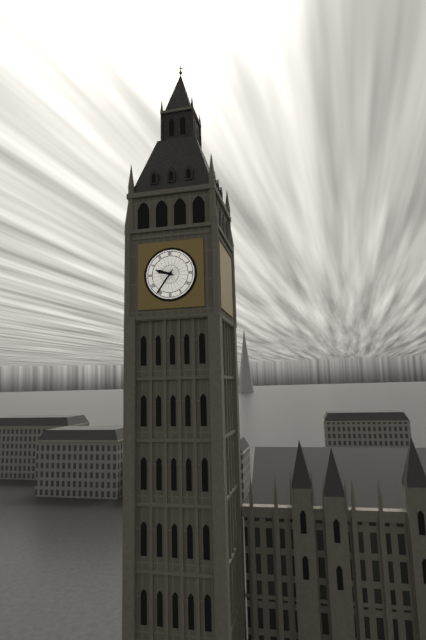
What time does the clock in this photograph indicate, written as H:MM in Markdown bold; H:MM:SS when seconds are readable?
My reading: **9:36**
